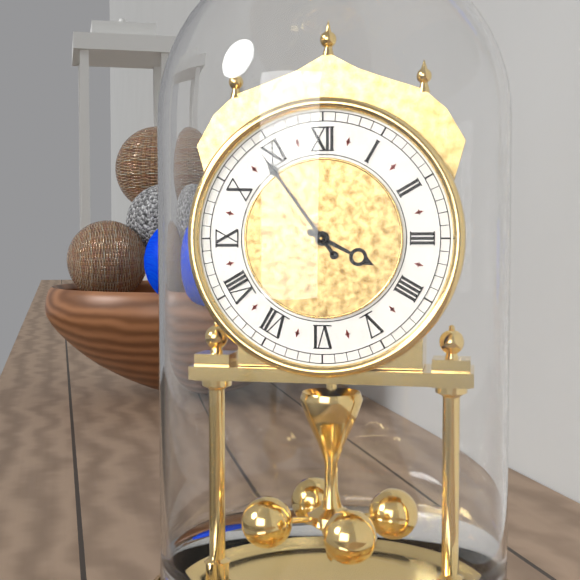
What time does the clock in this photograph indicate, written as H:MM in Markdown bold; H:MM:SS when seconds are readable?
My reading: **3:54**
